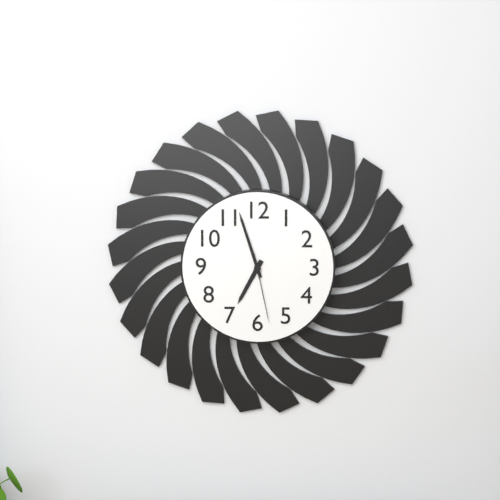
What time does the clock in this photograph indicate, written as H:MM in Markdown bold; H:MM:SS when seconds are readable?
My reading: **6:57:28**
